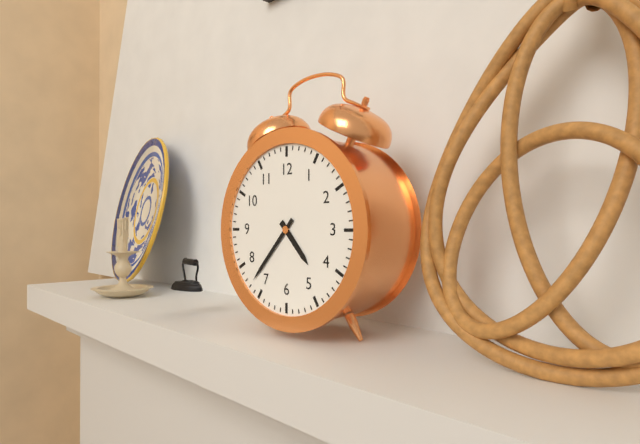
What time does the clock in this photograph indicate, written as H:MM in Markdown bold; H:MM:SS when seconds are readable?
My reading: **4:37**
